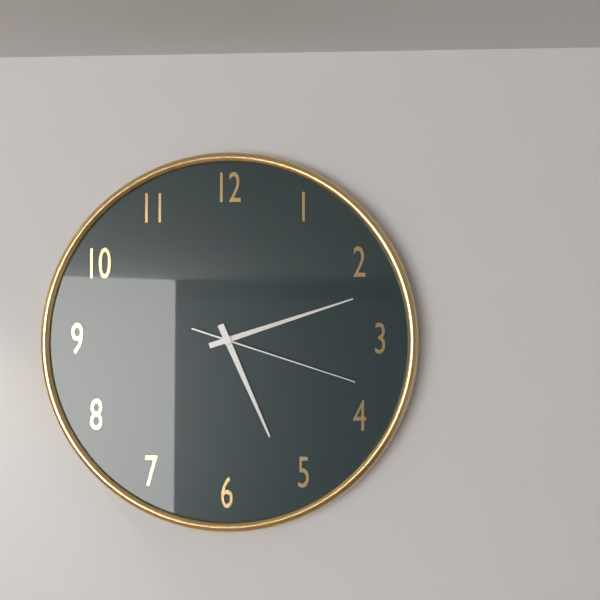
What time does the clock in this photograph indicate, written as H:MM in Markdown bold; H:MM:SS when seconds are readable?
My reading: **5:12:18**
